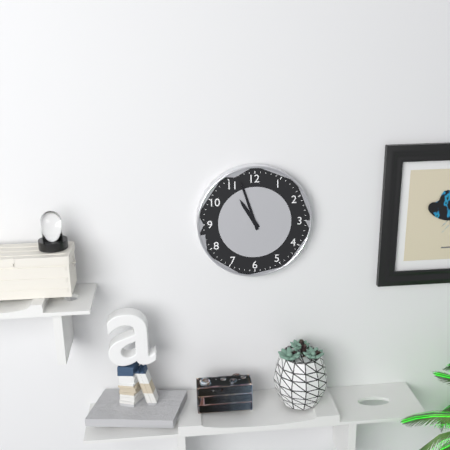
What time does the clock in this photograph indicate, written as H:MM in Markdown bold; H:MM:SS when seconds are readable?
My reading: **10:57**
